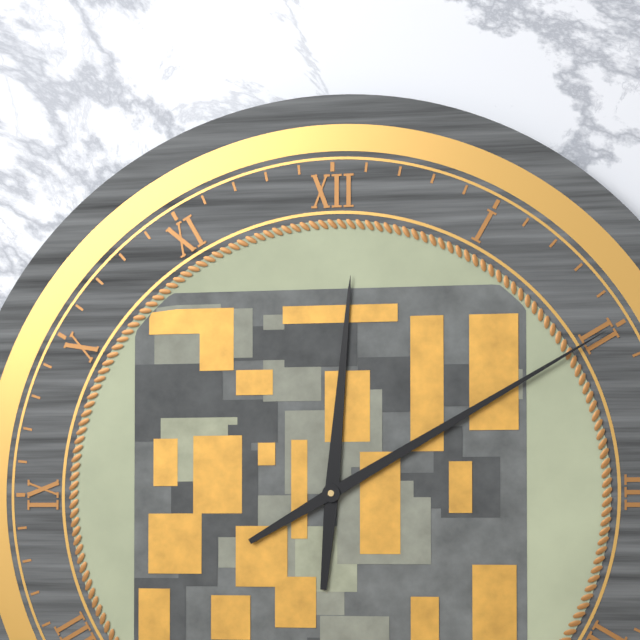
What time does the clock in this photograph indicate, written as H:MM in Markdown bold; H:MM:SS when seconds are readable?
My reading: **12:10**
